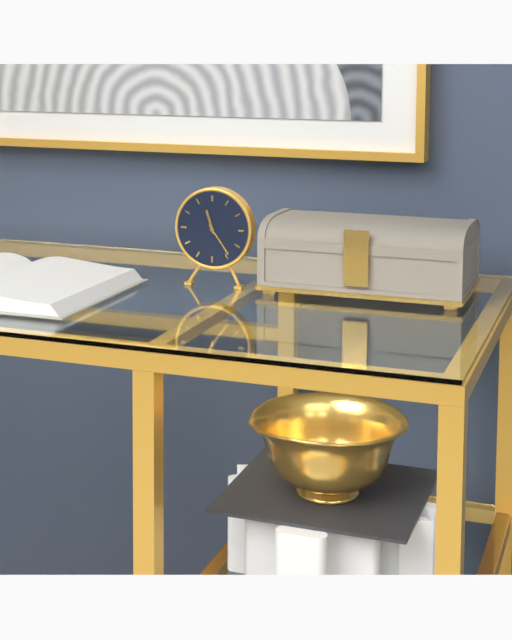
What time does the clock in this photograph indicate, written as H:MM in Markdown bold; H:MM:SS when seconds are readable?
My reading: **11:24**
